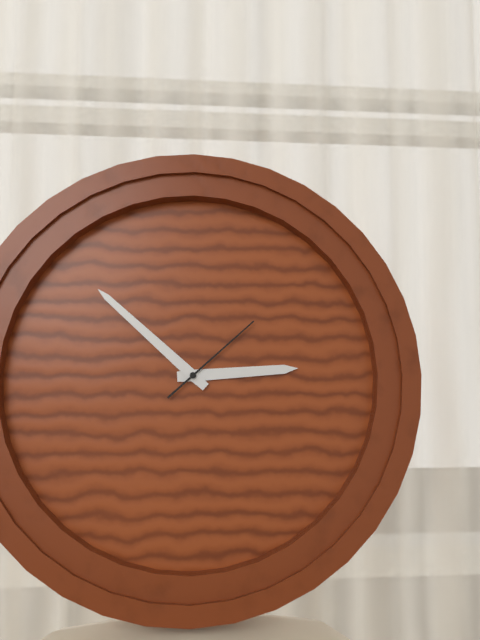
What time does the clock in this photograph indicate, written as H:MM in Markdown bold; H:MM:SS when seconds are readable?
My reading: **2:52:08**
